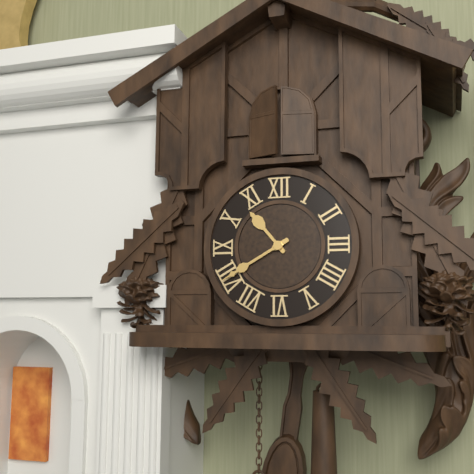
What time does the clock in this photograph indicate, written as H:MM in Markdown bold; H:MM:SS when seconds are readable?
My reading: **10:40**
